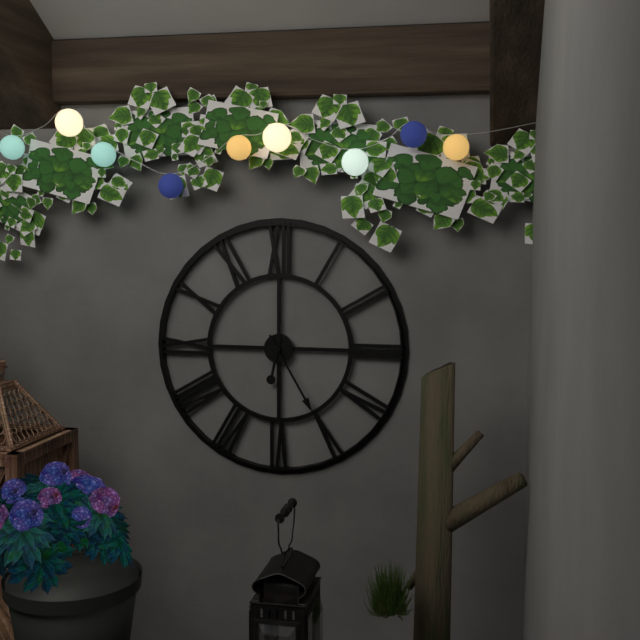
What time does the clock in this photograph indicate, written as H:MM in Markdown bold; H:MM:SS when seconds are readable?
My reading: **6:25**
